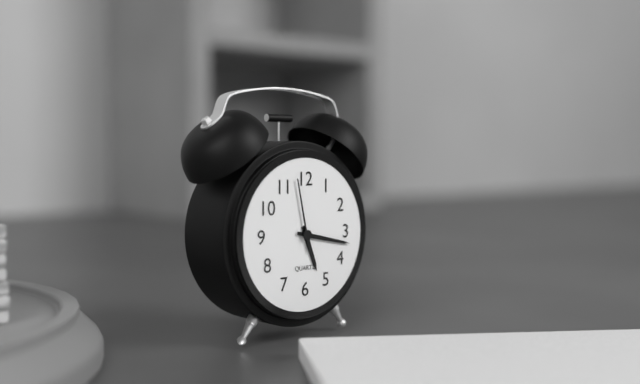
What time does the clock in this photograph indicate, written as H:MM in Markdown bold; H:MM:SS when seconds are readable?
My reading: **5:17:58**
